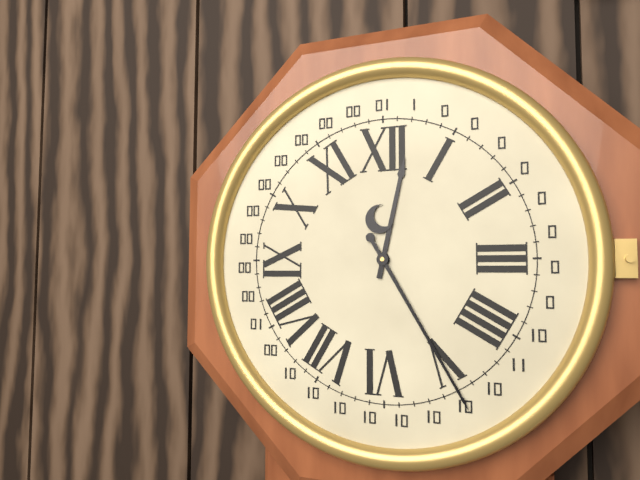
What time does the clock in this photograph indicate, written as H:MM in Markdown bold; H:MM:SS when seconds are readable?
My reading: **12:25**
